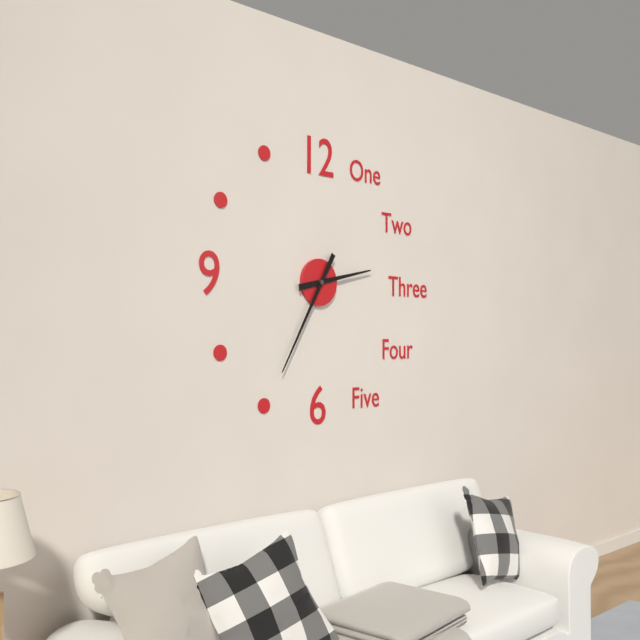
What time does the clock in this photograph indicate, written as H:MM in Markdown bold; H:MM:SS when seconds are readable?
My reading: **2:35**
